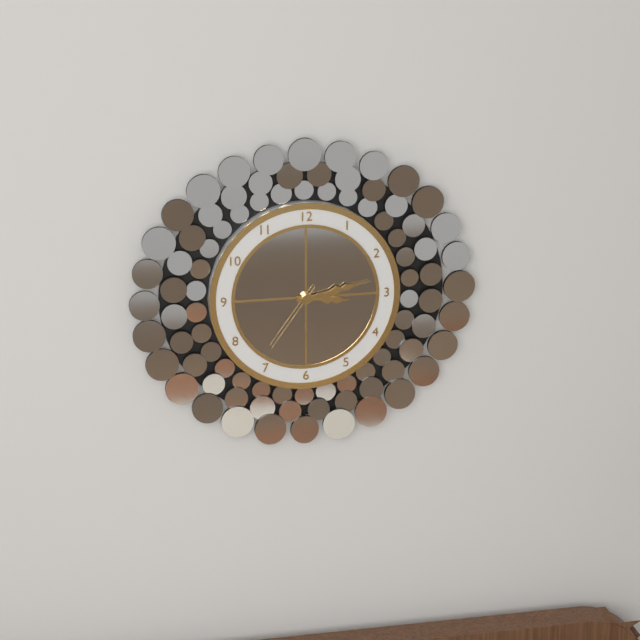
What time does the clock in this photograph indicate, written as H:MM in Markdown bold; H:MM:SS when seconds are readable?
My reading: **3:13:36**
